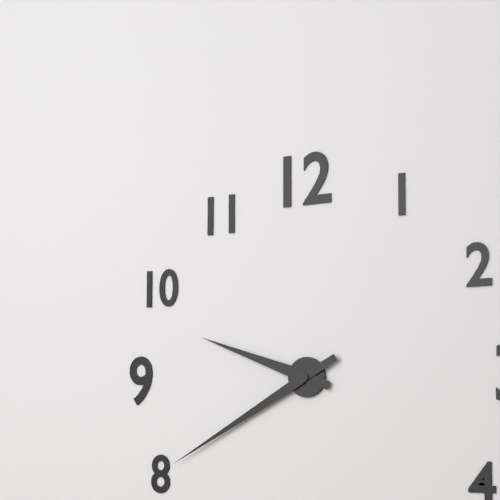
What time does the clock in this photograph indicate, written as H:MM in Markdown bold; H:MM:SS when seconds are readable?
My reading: **9:40**
